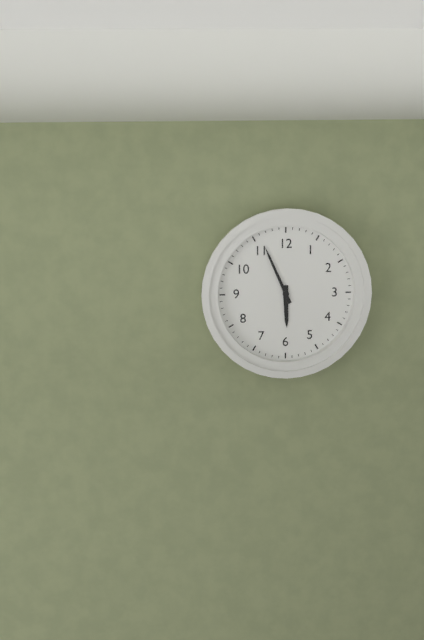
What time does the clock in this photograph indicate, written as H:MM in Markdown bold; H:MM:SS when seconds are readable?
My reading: **5:56**
